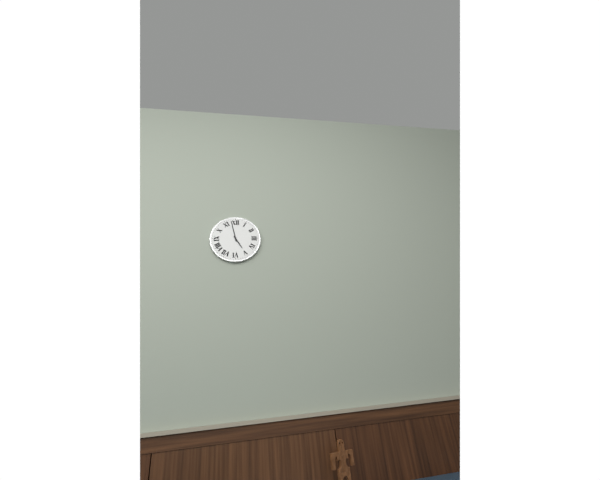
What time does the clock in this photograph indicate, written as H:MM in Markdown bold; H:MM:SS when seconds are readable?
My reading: **4:58**
